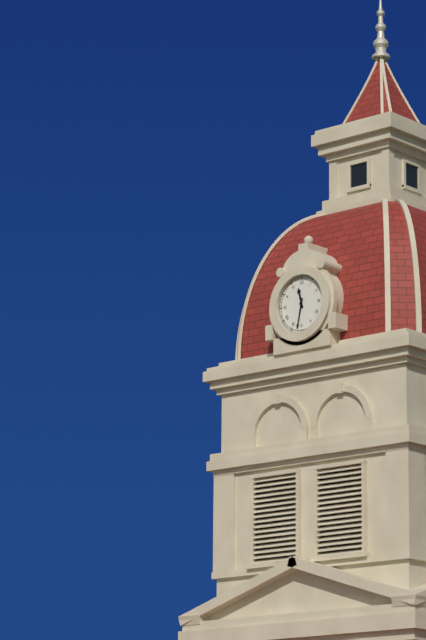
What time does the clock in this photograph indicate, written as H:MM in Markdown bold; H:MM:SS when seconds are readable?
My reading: **11:32**
